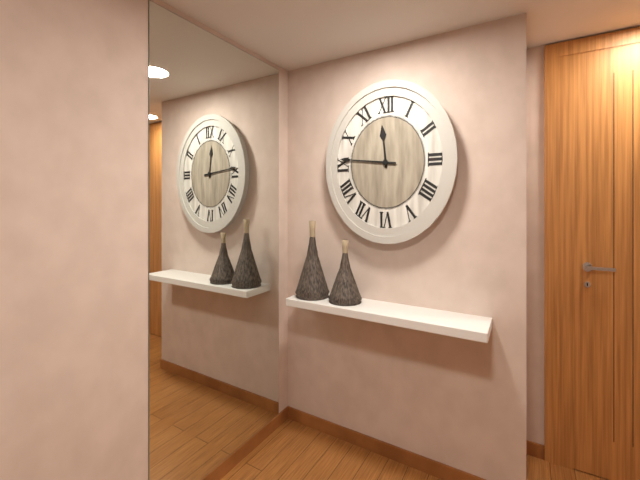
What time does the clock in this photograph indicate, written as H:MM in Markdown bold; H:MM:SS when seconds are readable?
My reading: **11:46**
